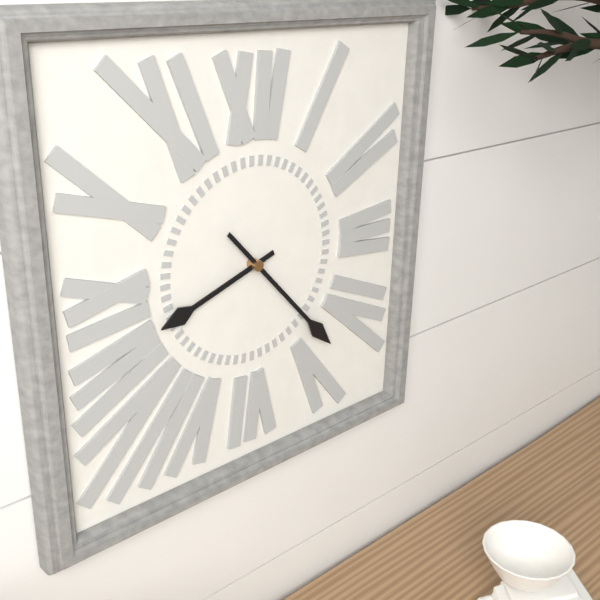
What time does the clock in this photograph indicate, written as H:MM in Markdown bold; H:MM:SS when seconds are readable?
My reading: **8:23**
